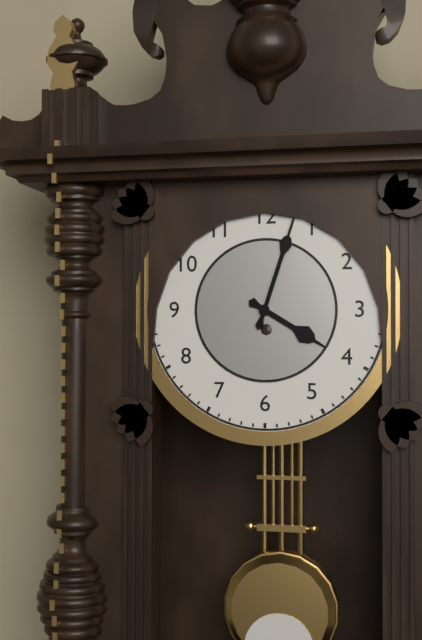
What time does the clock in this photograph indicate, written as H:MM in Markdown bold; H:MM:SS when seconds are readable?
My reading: **4:03**
